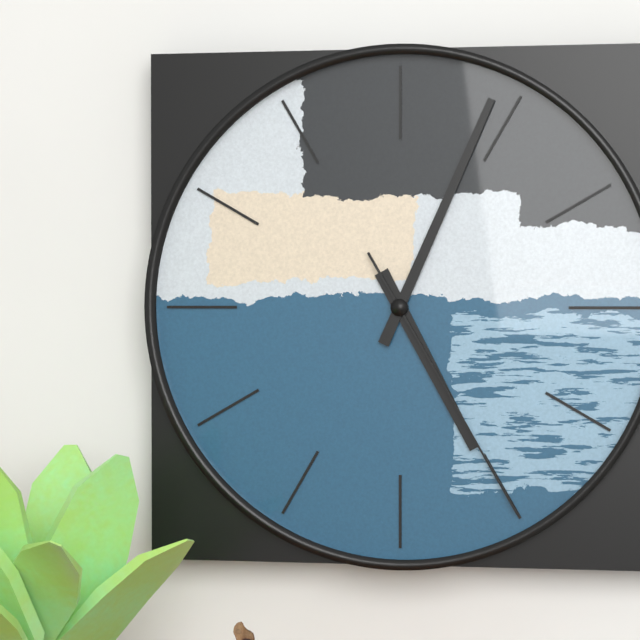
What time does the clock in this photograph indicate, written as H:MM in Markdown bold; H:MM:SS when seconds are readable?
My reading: **5:04:25**
